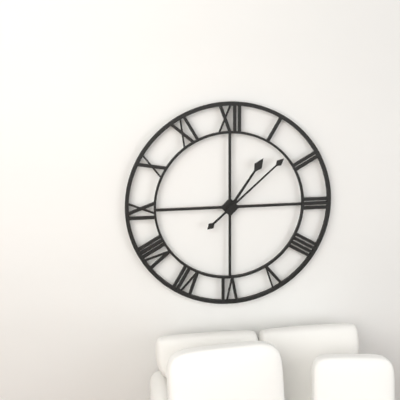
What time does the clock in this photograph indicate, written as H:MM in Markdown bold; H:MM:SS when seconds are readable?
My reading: **1:08**
